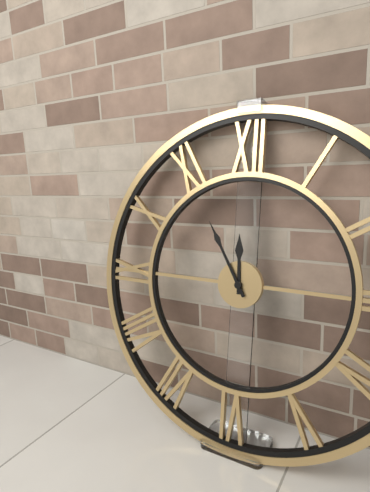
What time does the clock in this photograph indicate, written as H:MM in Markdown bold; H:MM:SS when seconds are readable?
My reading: **11:55**
